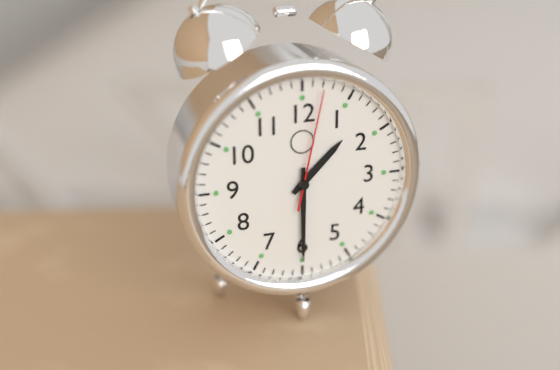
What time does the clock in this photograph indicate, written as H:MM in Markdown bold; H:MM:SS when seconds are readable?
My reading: **1:30:02**
